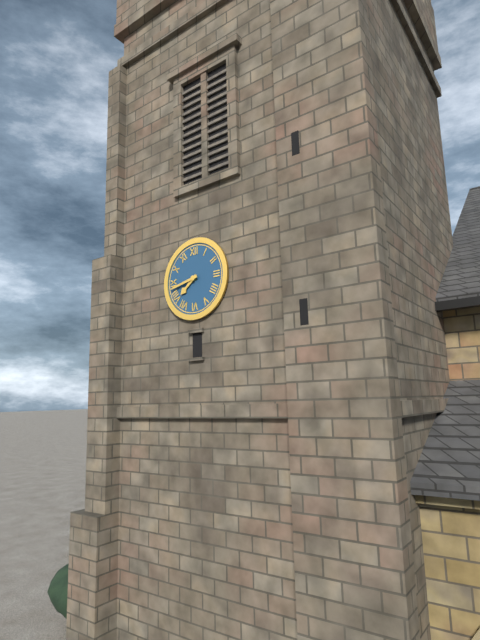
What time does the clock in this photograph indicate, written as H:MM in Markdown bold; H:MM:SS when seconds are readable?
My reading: **7:43**
